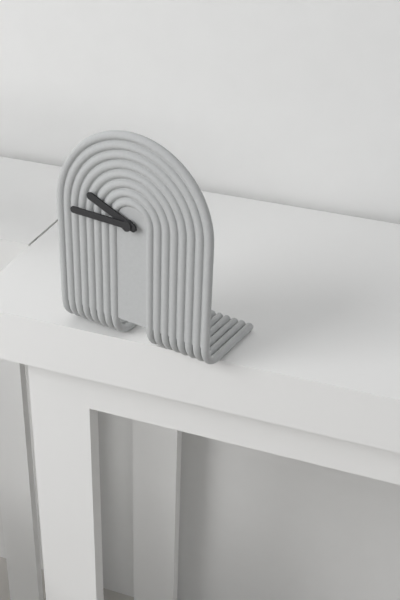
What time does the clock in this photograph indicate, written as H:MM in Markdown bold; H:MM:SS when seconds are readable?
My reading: **9:45**
